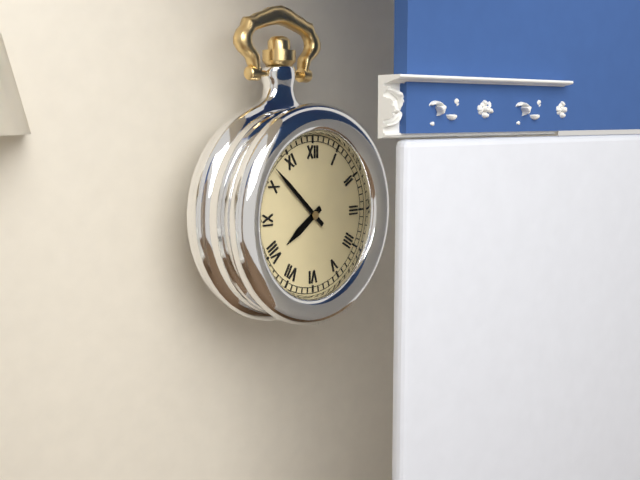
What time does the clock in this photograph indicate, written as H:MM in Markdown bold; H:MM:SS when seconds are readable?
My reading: **7:52**
